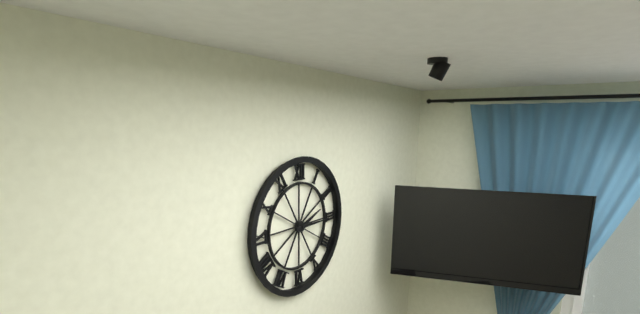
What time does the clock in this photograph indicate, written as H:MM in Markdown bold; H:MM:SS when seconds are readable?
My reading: **2:15**
